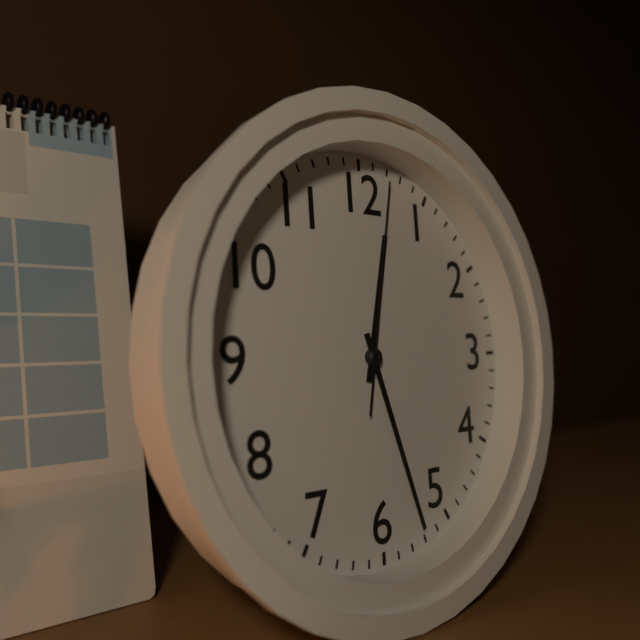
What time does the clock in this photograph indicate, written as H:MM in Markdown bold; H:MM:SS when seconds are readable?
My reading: **12:27:02**
